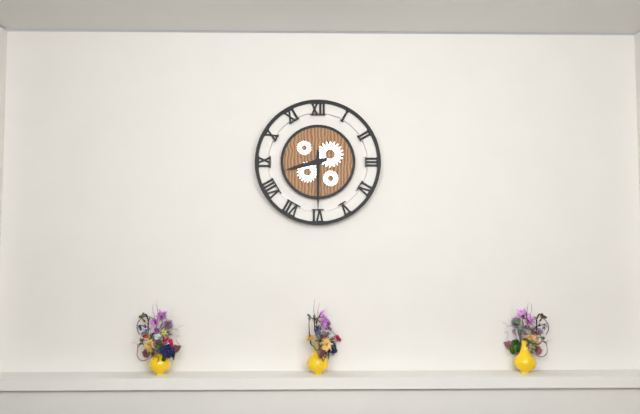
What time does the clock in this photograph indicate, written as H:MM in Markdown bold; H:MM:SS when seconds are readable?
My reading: **8:30**
